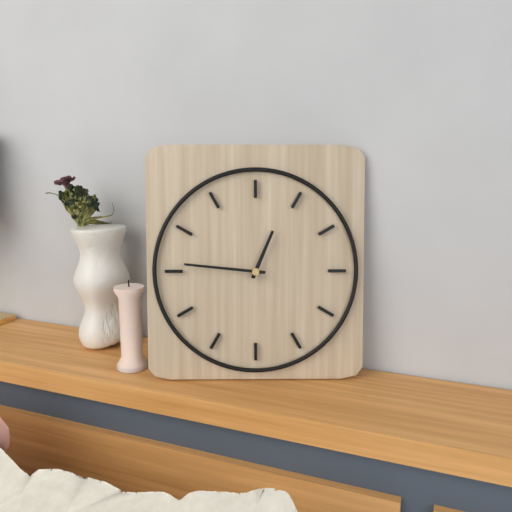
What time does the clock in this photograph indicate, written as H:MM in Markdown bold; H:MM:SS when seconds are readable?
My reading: **12:46**
